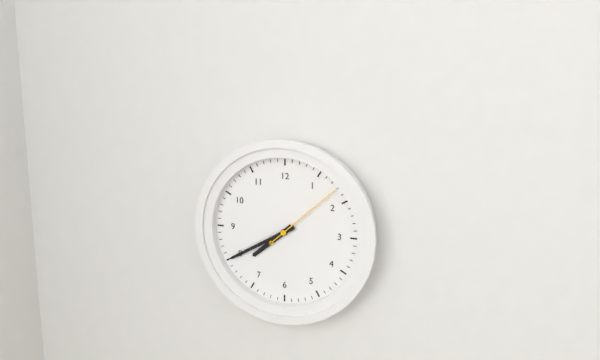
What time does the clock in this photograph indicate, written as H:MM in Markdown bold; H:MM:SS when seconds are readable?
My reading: **7:40:08**
